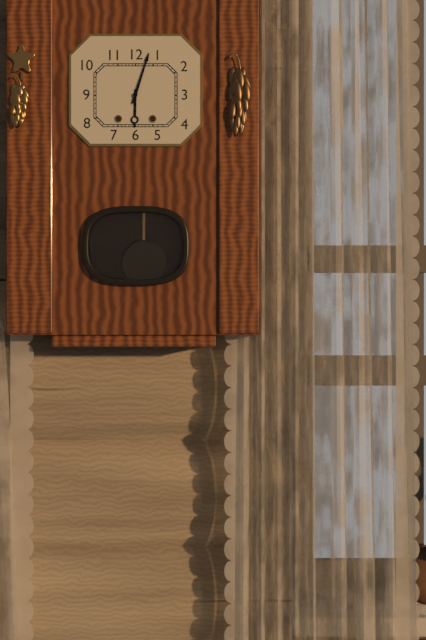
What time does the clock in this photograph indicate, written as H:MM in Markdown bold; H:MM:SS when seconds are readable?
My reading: **6:03**
